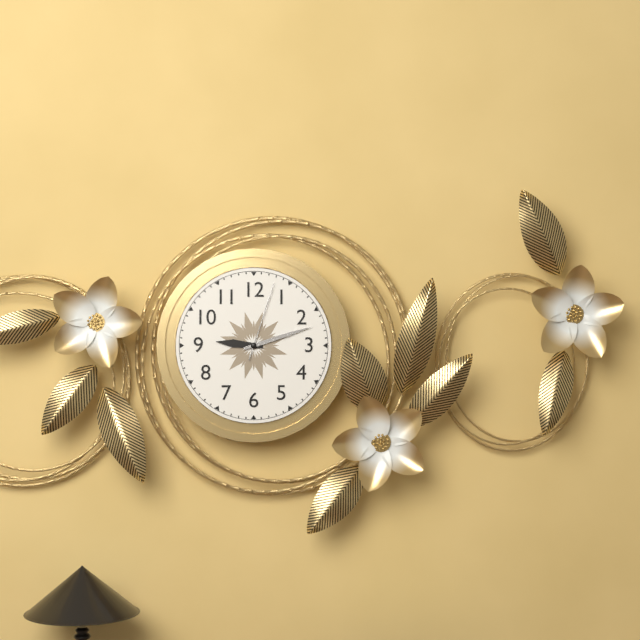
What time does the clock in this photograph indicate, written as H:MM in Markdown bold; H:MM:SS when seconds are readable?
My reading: **9:12:03**
